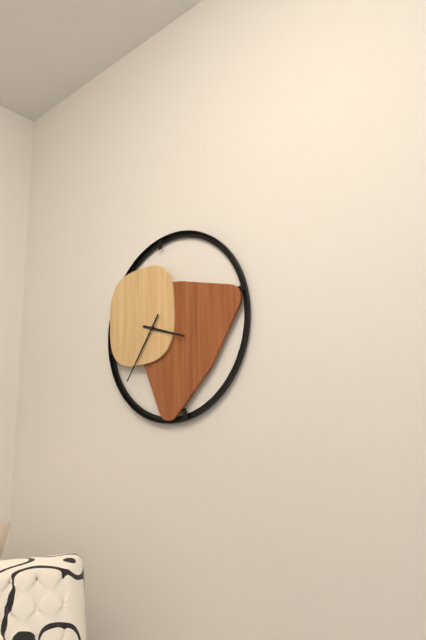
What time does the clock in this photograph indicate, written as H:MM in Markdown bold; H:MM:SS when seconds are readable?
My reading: **3:36**
